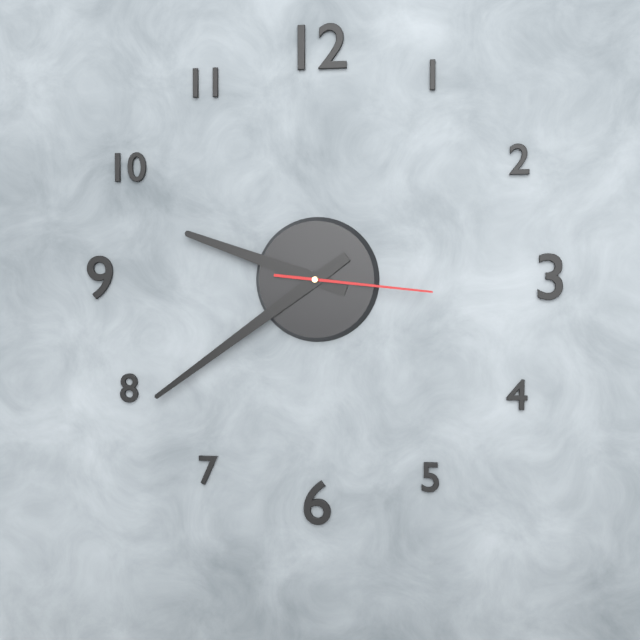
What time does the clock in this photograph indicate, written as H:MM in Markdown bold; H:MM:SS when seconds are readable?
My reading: **9:39:16**
